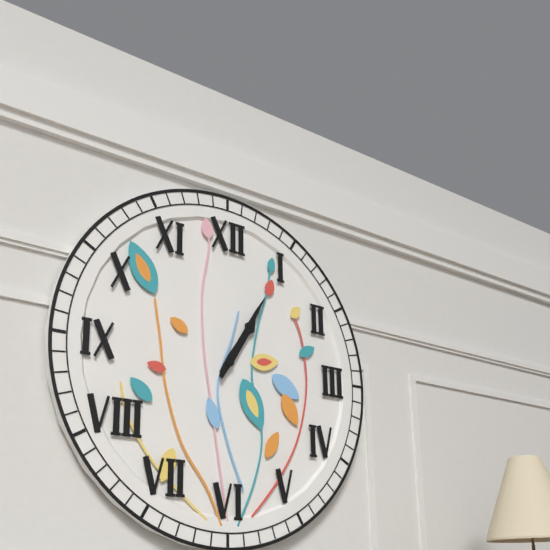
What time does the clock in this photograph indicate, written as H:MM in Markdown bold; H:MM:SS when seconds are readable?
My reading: **1:05**
